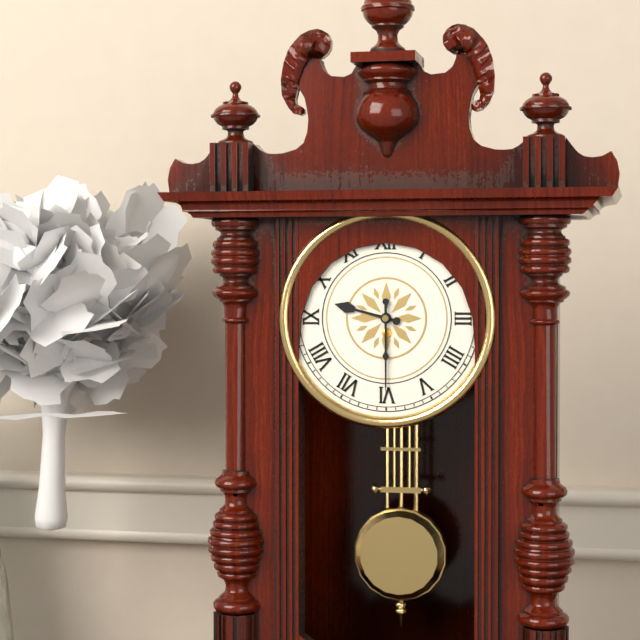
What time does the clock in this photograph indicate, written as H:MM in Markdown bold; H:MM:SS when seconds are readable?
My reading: **9:30**
